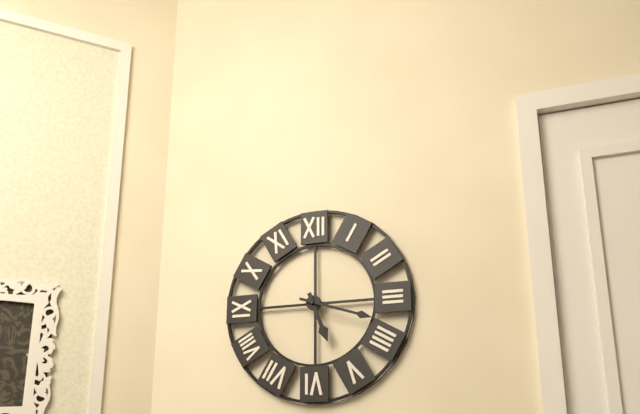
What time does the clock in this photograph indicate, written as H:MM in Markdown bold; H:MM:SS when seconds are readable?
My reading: **5:18**
